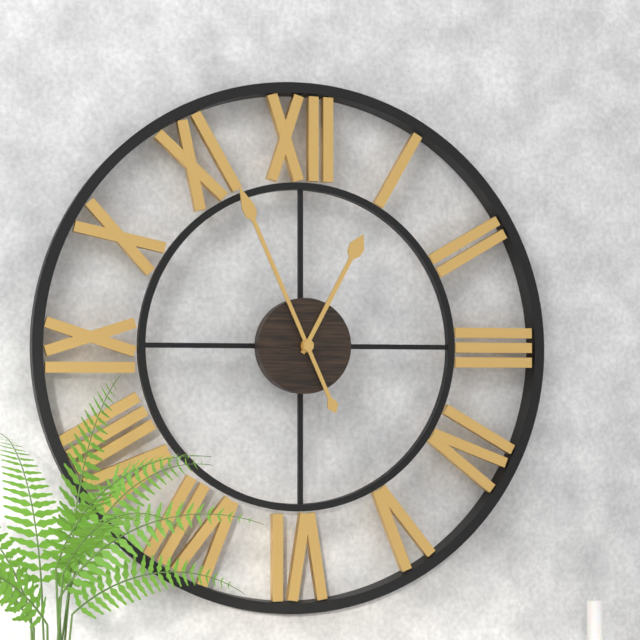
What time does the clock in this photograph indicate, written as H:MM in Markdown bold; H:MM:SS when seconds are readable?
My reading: **12:56**
